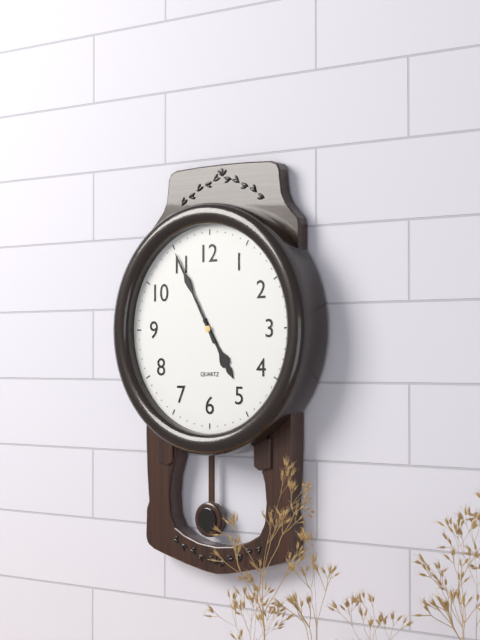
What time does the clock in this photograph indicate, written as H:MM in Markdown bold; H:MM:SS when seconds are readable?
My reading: **4:55**
